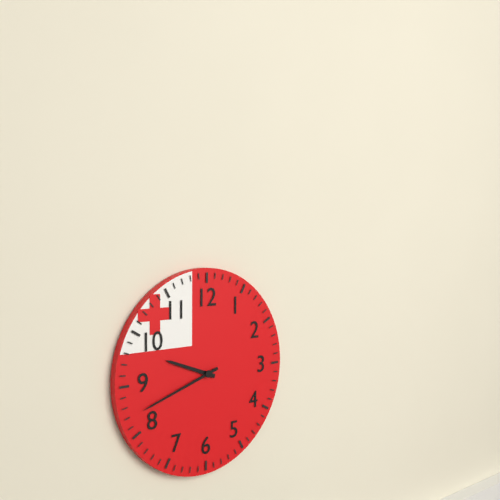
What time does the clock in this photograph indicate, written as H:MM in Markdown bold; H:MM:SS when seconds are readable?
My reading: **9:42**
